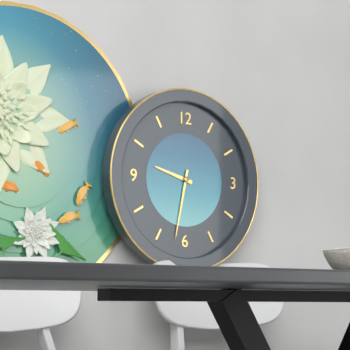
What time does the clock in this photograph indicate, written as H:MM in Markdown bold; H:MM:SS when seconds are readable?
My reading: **9:32**
